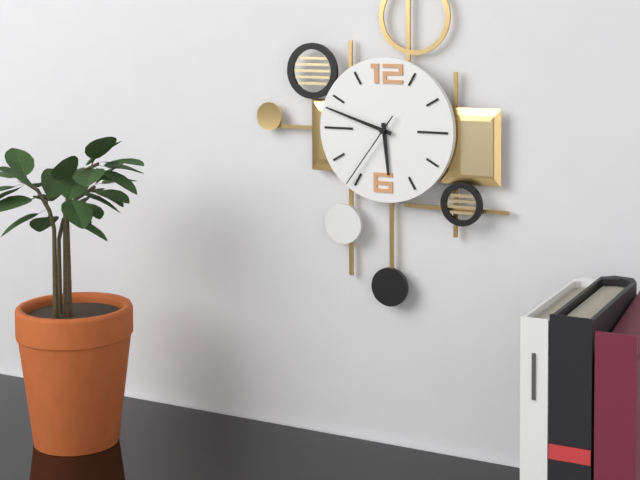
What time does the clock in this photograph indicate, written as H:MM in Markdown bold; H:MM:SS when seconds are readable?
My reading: **5:48:36**
